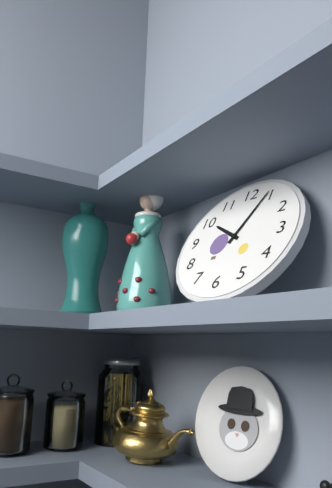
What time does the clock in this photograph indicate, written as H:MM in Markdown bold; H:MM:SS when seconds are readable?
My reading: **10:04**
